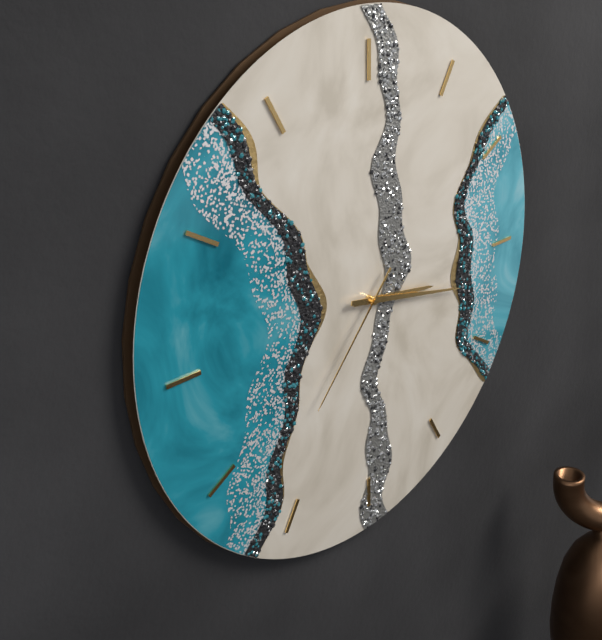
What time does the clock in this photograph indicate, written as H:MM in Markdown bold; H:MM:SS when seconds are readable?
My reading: **3:17:37**
